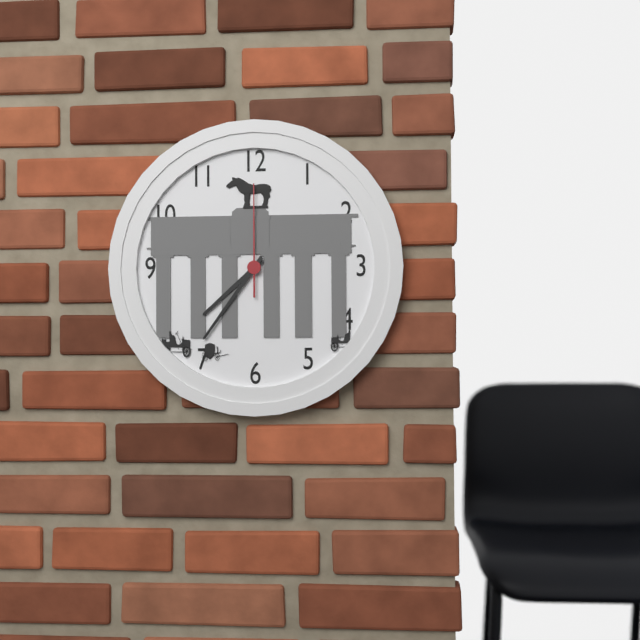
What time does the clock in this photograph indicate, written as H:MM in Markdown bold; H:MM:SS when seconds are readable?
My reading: **7:36:00**
